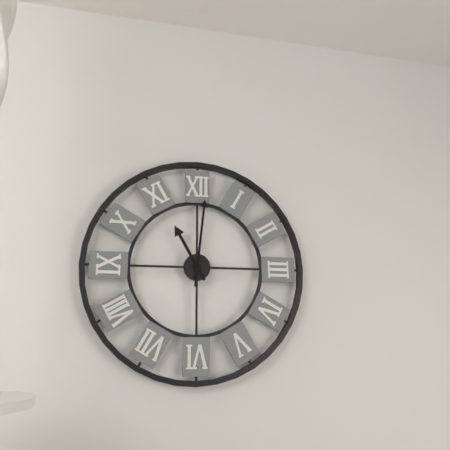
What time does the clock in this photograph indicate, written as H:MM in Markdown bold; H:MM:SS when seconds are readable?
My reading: **11:01**
